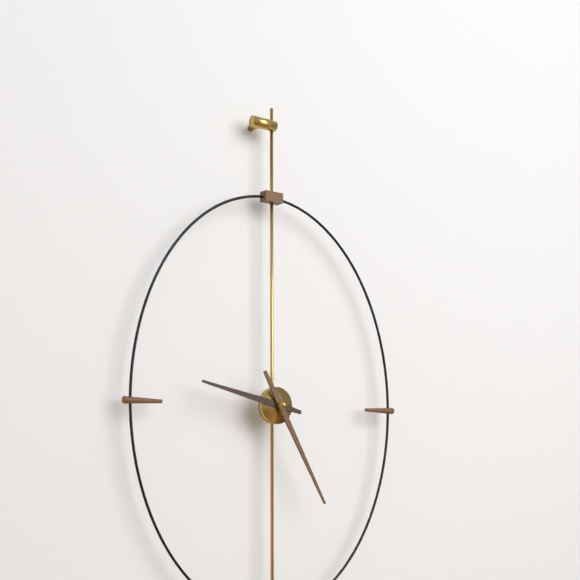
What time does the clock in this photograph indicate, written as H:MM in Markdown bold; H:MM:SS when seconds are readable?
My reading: **9:25**
